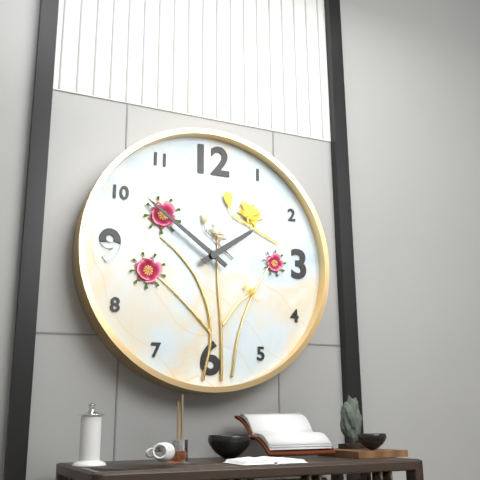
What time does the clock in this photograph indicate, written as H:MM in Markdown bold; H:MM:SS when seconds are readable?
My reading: **1:51**
